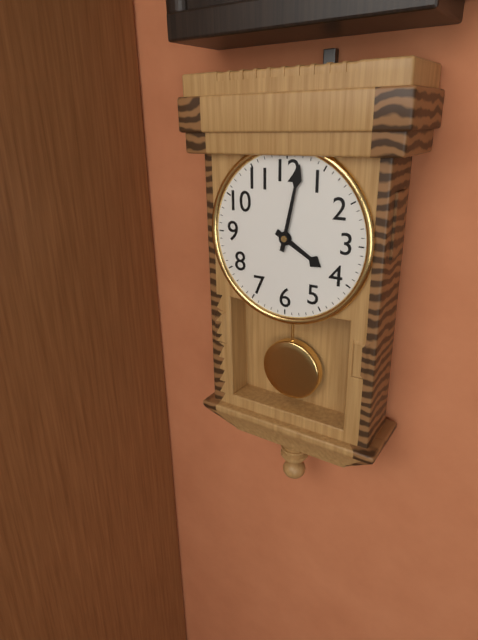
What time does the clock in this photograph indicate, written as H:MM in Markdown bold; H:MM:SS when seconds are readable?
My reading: **4:02**
